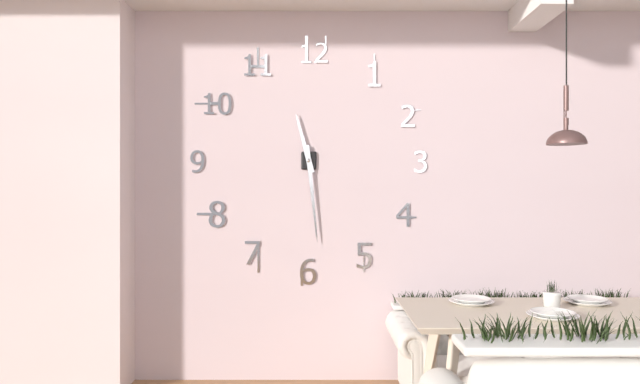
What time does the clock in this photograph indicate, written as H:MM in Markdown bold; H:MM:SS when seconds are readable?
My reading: **11:29**
